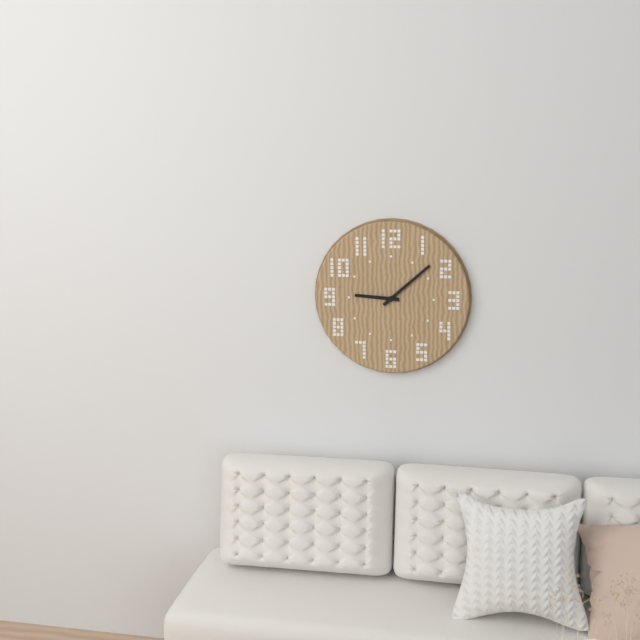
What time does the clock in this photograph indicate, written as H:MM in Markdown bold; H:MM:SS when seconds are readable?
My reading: **9:08**
